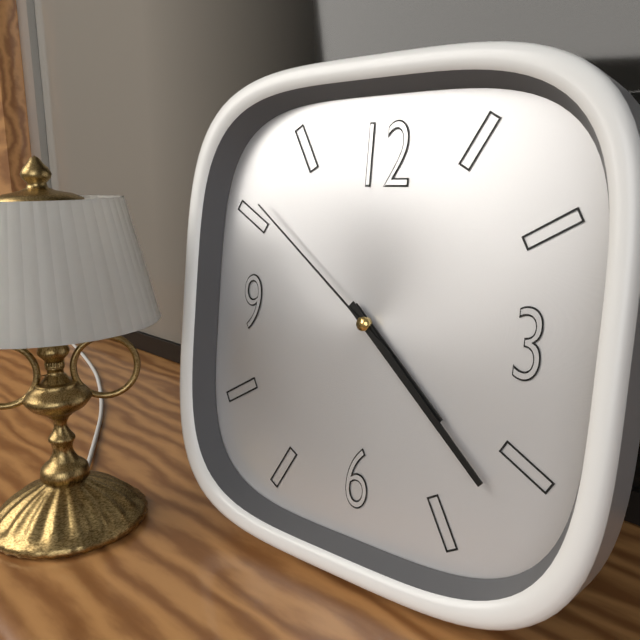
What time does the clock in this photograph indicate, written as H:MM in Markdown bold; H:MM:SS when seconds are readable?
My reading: **4:22:51**
